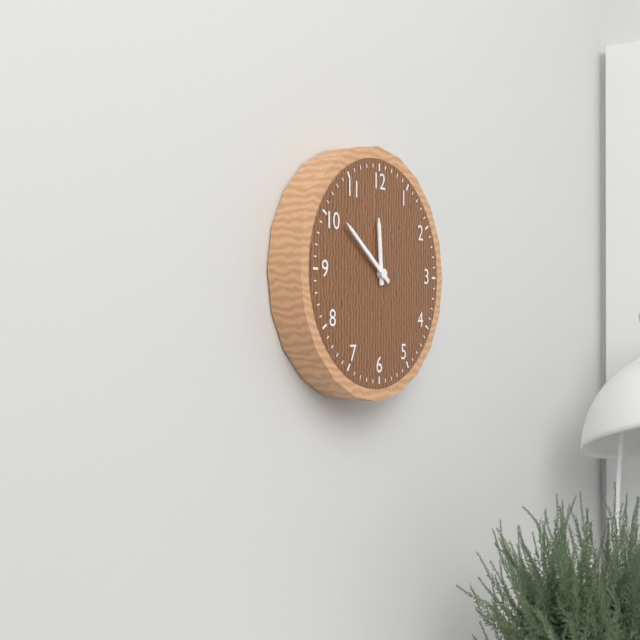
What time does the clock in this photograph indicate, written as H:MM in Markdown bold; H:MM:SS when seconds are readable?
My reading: **11:51**
